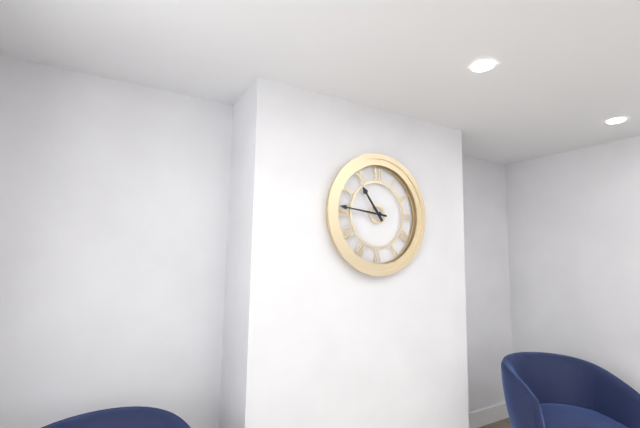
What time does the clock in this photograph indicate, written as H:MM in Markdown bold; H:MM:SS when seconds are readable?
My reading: **10:46**
